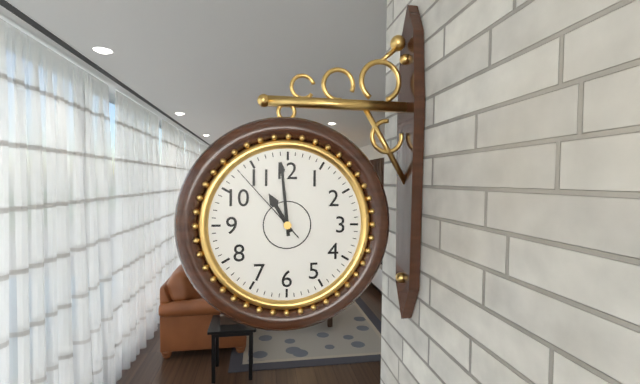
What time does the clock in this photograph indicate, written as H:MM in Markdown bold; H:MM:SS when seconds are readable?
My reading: **10:59:53**
